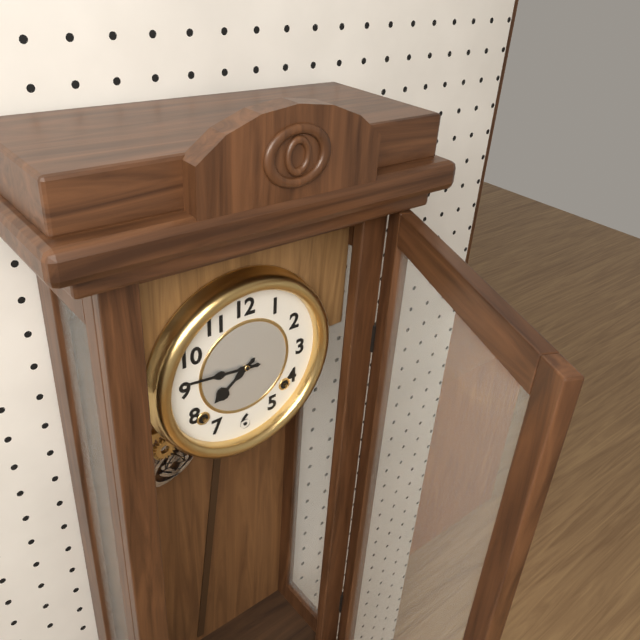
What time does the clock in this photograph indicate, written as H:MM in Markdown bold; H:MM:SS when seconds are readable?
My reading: **7:46**
